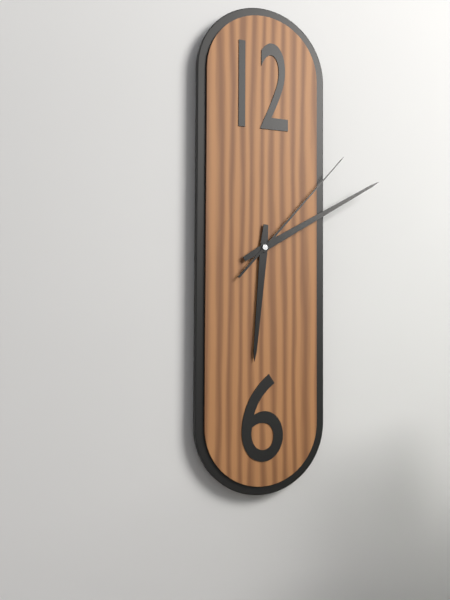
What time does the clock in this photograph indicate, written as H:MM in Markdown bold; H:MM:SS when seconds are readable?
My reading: **6:10:07**
